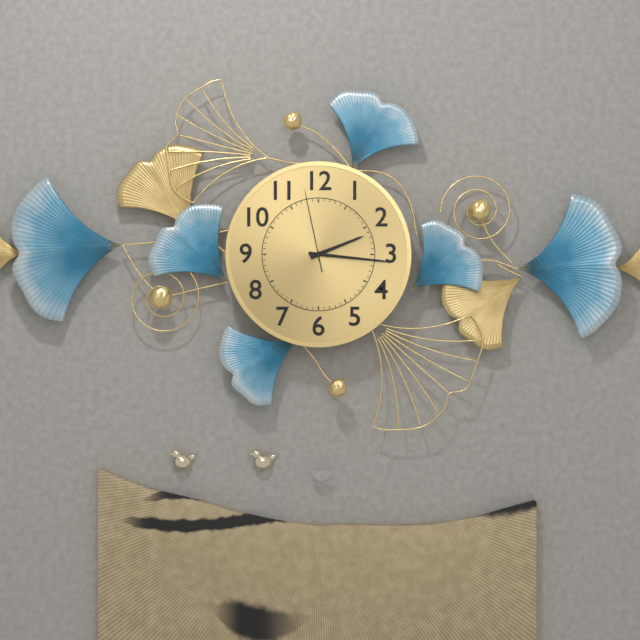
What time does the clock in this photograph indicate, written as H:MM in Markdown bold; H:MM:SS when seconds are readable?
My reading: **2:16:58**
